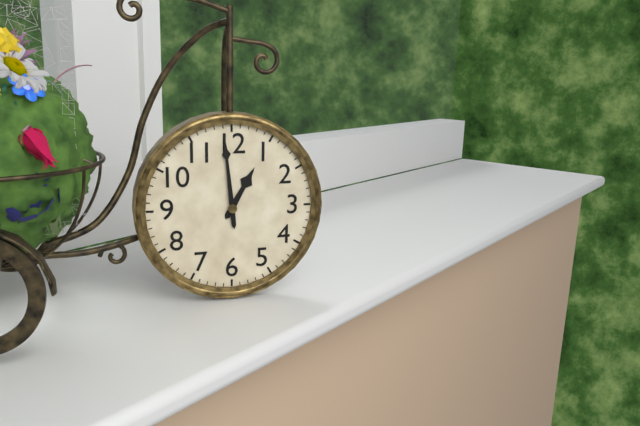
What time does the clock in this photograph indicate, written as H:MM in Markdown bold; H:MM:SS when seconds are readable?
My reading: **12:59**
